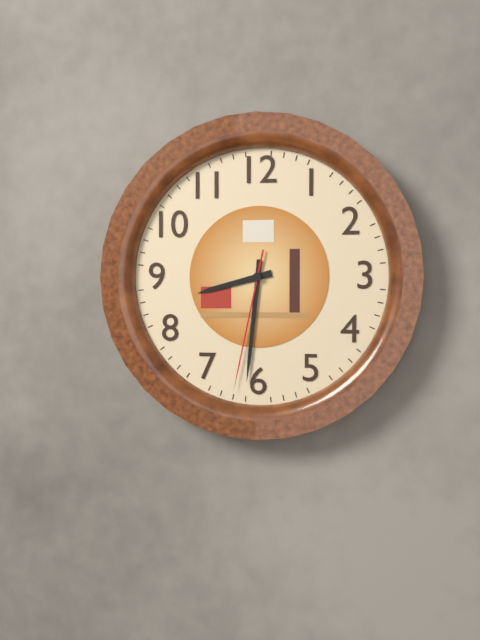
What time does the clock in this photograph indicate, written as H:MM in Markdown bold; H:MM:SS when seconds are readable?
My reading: **8:31:32**
